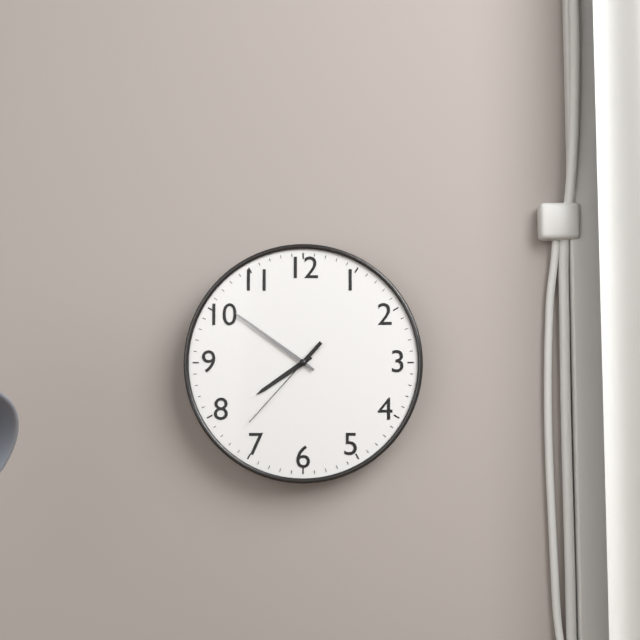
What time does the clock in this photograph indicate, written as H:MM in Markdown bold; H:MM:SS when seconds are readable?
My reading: **7:51:37**
